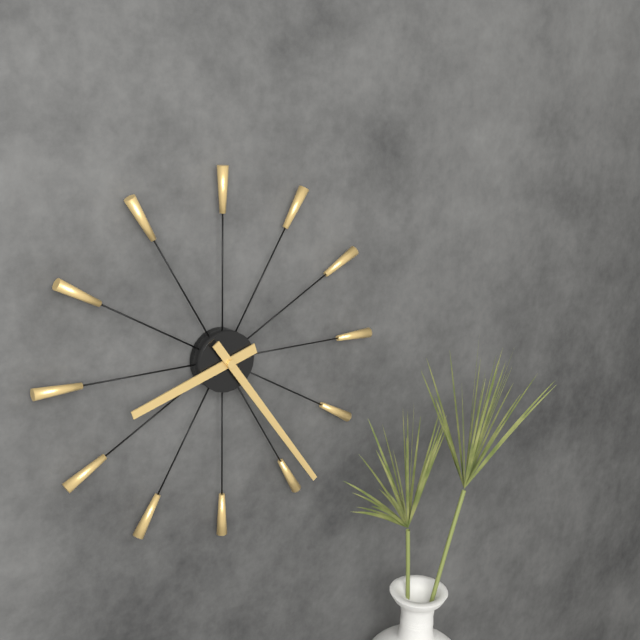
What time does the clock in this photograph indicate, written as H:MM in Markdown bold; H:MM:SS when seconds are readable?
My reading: **8:24**
